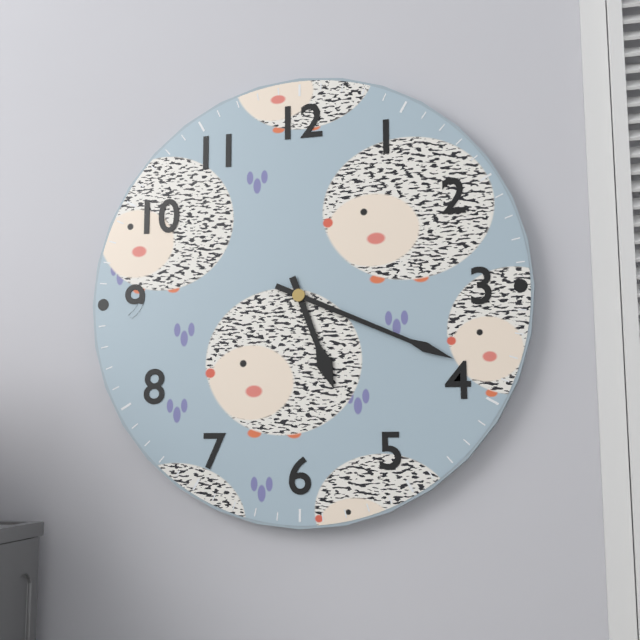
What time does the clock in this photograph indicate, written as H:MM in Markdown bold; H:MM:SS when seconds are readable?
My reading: **5:19**
